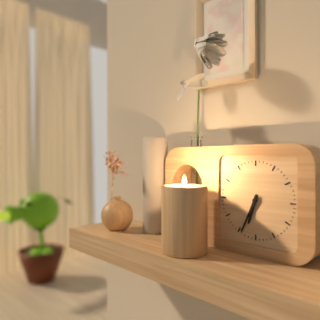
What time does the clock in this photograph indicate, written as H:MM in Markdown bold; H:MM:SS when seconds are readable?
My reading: **6:34**
